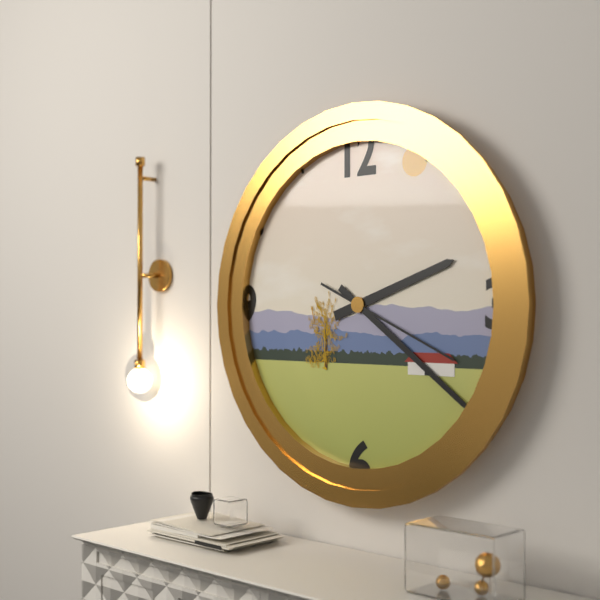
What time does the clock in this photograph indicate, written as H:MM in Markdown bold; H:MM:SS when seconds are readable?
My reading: **2:21:19**
